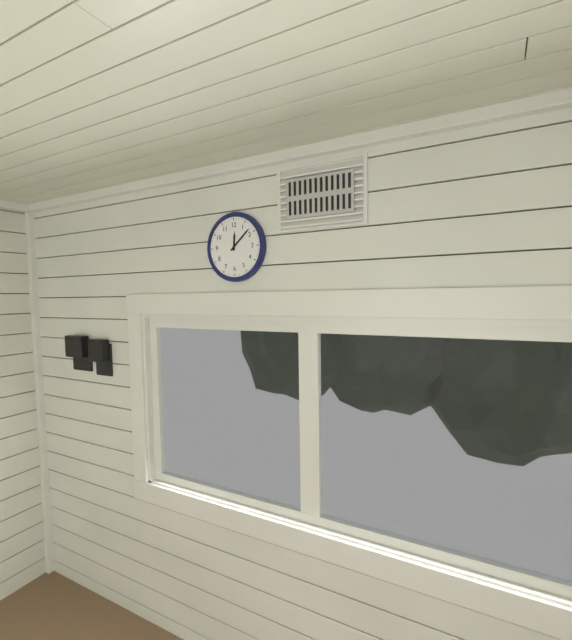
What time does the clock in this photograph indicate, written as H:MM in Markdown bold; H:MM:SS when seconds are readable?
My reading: **12:08**
